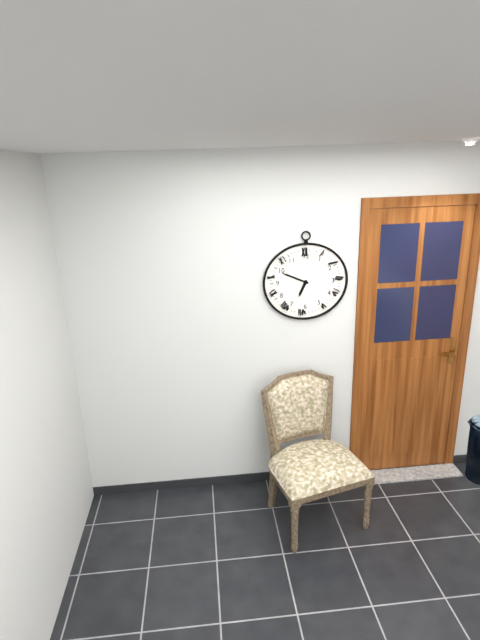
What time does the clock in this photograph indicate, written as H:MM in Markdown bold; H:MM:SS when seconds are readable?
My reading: **6:49**
